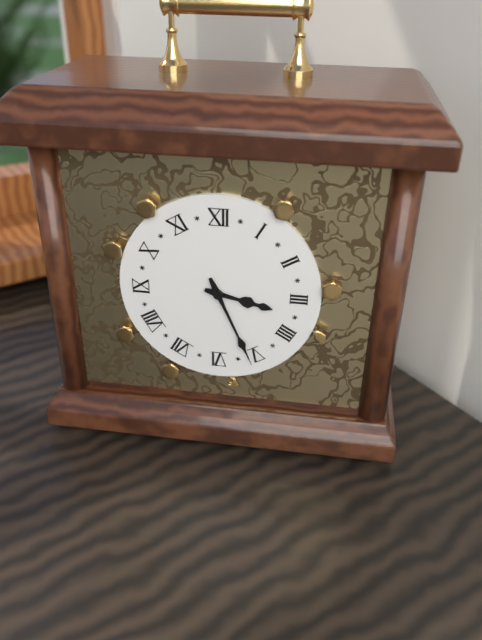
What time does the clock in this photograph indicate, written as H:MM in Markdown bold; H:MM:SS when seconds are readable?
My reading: **3:26**
